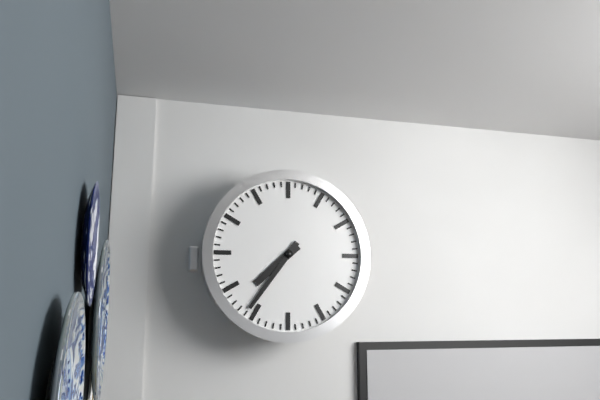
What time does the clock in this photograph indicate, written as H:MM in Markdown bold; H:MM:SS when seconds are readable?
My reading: **7:36**
